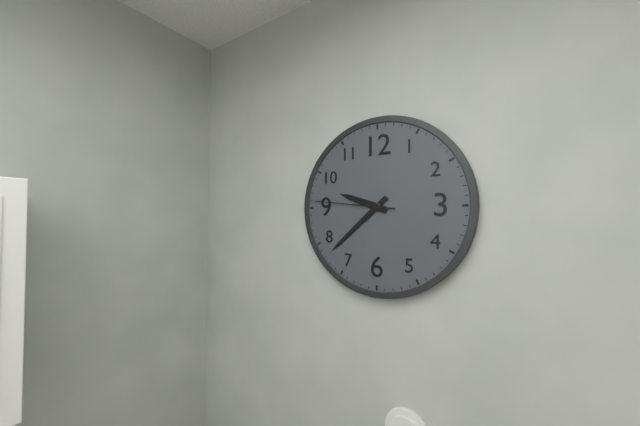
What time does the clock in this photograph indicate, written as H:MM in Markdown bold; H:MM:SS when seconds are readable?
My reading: **9:38:46**
